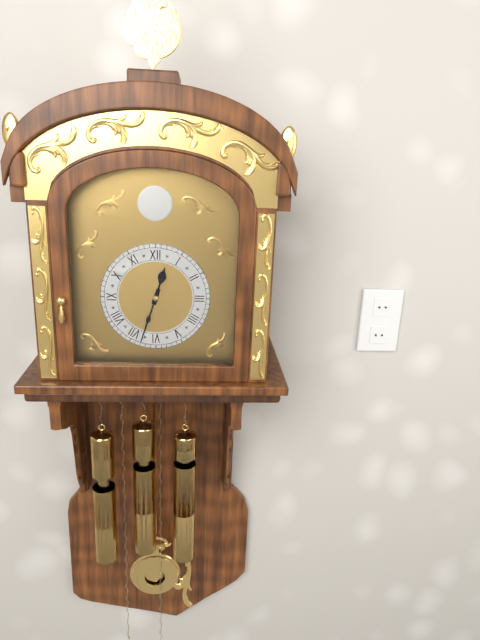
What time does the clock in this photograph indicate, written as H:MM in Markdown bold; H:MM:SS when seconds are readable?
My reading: **12:33**
